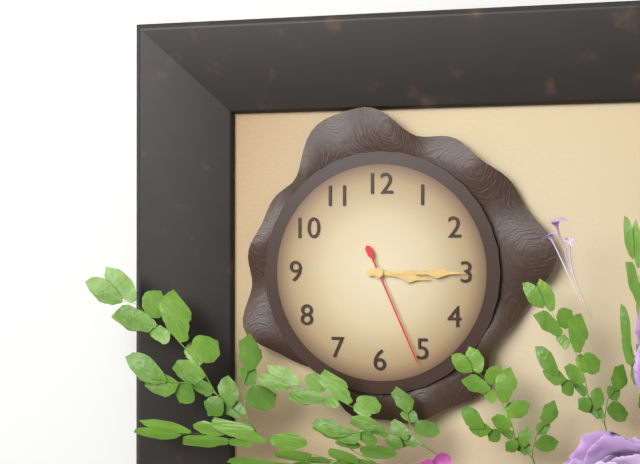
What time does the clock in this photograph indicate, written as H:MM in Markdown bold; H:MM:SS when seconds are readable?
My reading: **3:15:26**
